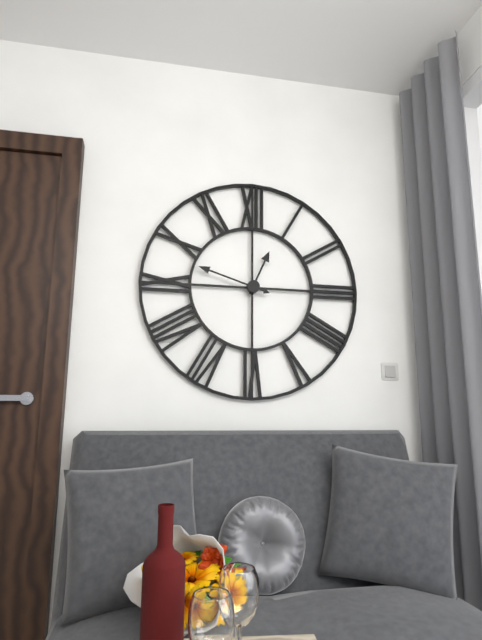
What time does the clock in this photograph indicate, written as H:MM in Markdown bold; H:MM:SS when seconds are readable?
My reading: **12:48**
